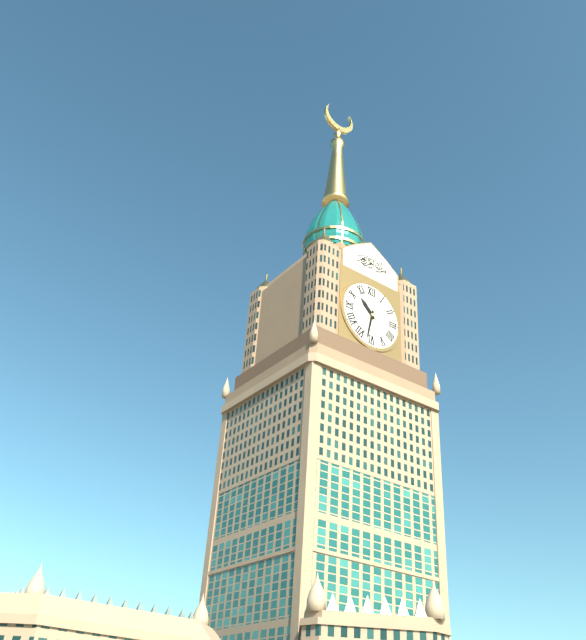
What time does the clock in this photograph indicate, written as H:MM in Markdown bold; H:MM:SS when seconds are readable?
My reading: **10:32**
